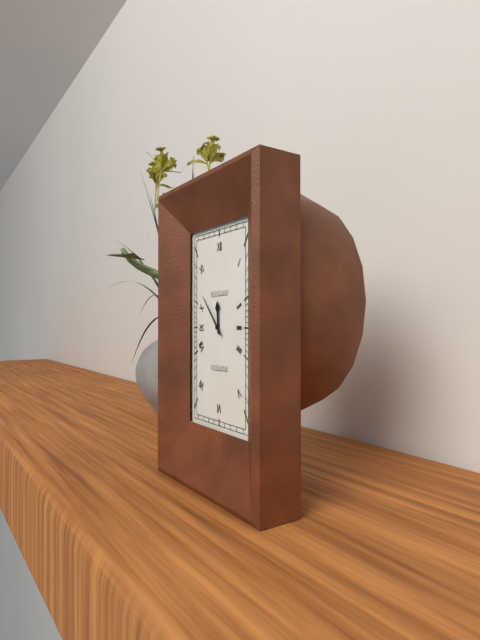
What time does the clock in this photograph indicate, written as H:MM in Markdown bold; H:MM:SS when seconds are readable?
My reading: **11:53**
